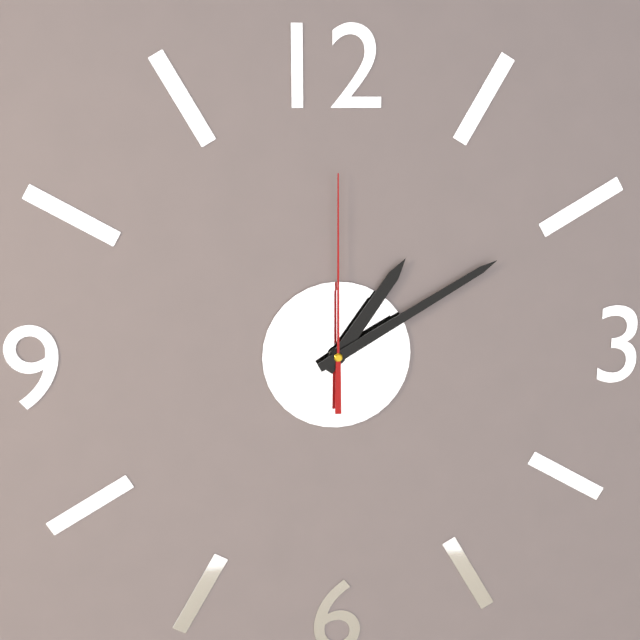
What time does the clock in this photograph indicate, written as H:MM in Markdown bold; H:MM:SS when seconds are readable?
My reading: **1:10:00**
